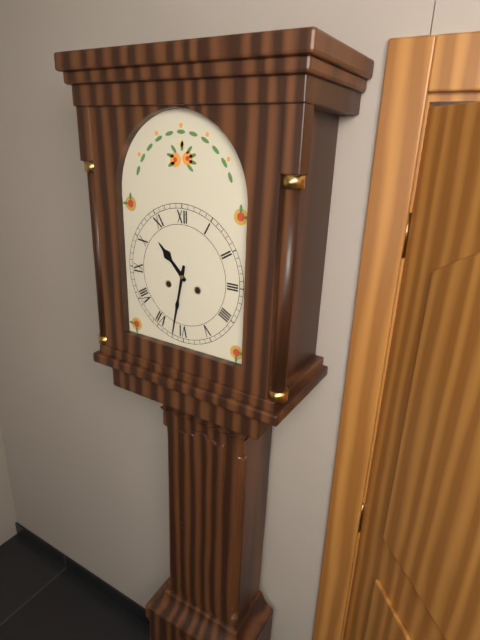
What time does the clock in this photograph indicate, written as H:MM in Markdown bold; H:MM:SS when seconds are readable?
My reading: **10:32**
